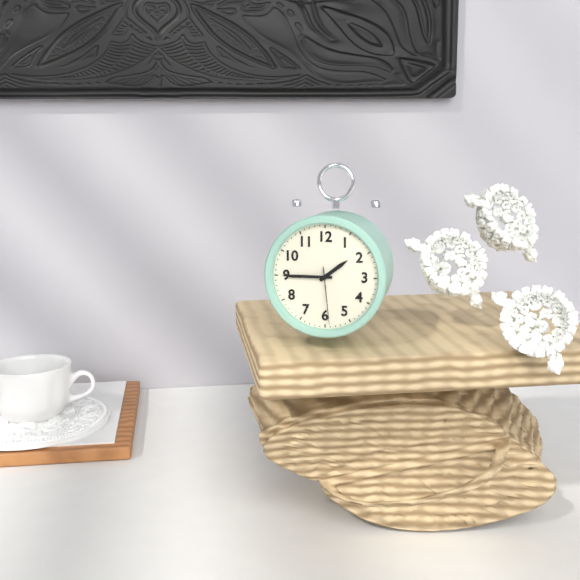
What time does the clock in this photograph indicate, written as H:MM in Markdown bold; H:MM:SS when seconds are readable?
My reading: **1:45:29**
